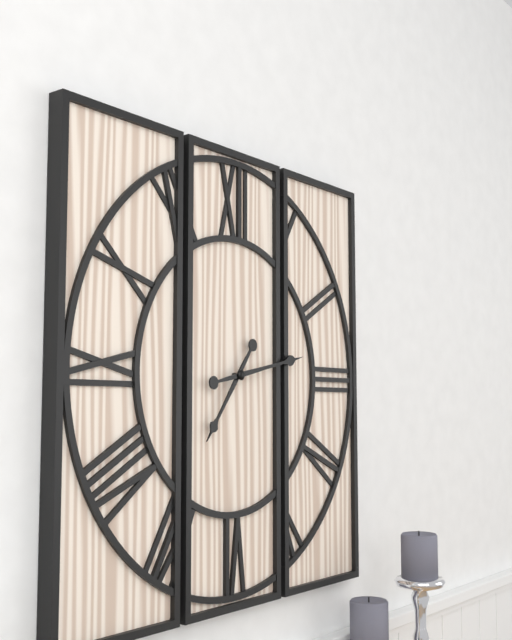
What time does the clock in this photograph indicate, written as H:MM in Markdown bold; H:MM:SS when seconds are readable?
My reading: **7:13**
